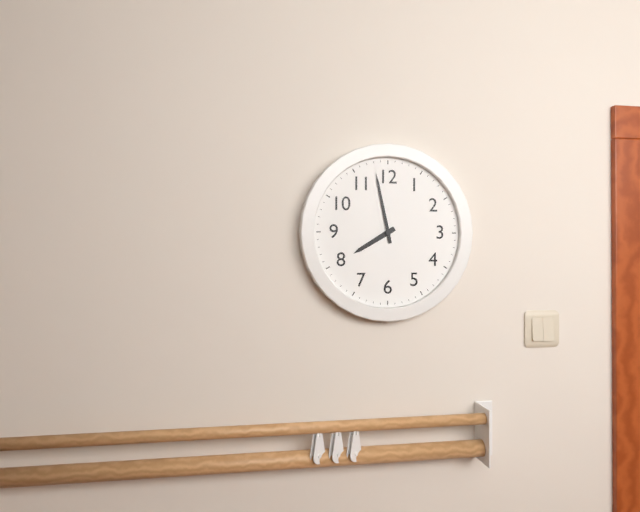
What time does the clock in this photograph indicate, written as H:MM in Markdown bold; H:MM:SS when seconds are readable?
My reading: **7:58**
